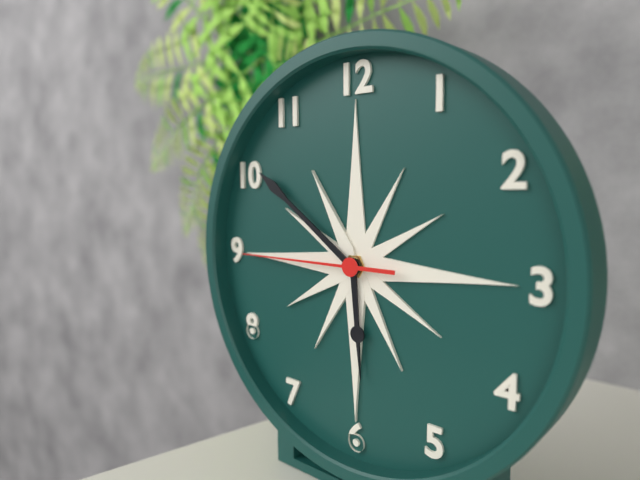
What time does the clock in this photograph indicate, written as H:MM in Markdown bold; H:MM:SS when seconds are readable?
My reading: **5:51:45**
